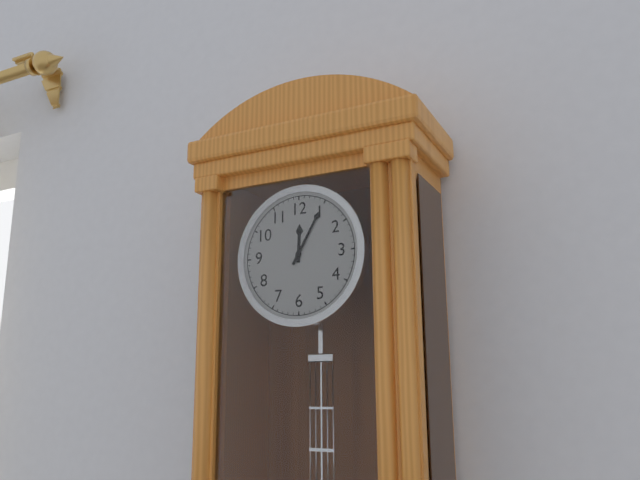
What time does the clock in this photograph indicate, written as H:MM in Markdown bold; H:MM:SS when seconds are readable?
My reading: **12:05**
